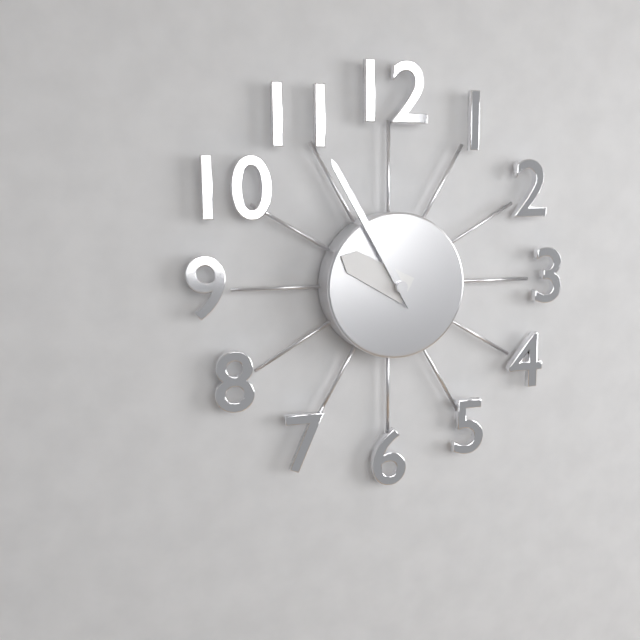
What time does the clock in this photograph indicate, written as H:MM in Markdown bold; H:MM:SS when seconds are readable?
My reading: **9:55**
